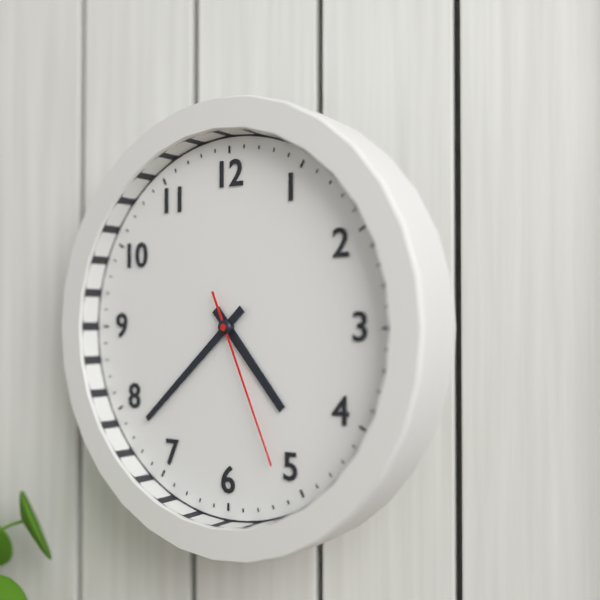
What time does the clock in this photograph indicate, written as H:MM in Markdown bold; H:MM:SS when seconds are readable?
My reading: **4:38:26**
